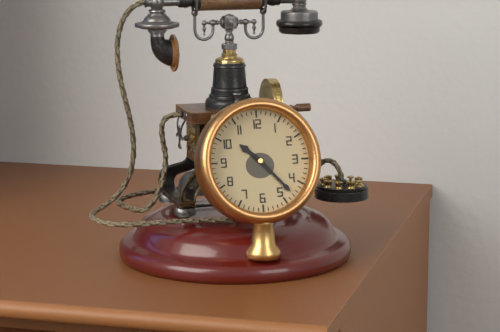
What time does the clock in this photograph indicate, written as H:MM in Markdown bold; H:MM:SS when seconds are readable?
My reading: **10:23**
